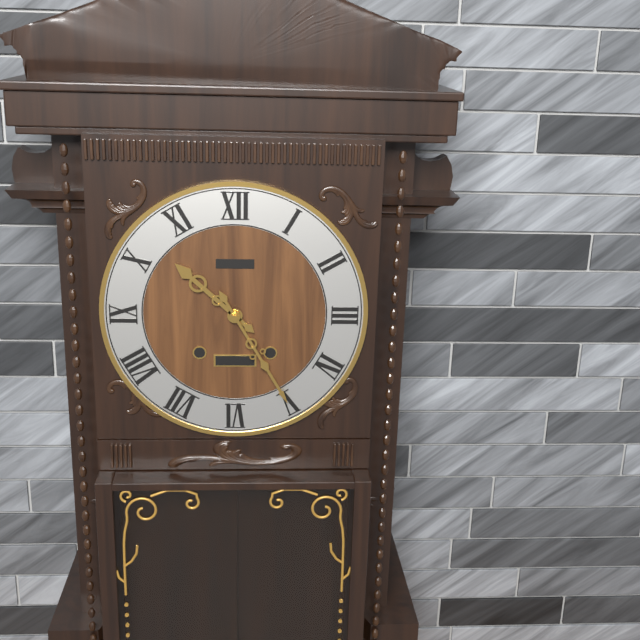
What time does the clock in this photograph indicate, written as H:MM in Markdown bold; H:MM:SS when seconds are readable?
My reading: **10:25**
